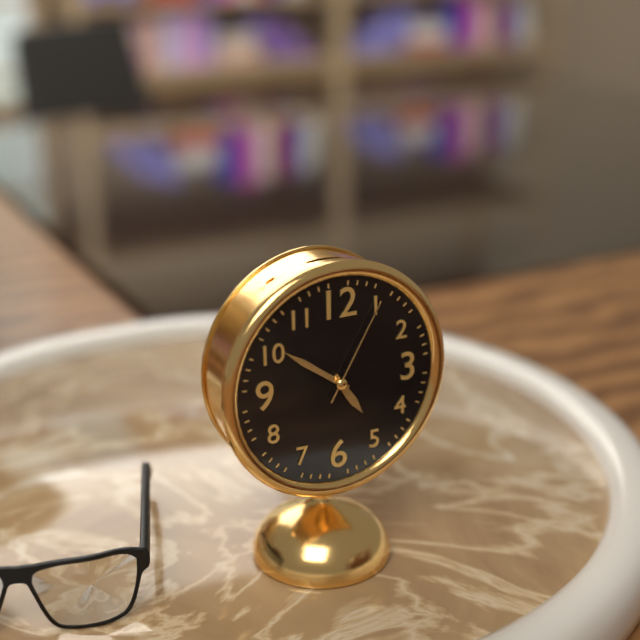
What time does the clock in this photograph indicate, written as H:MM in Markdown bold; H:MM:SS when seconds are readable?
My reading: **4:51:05**
